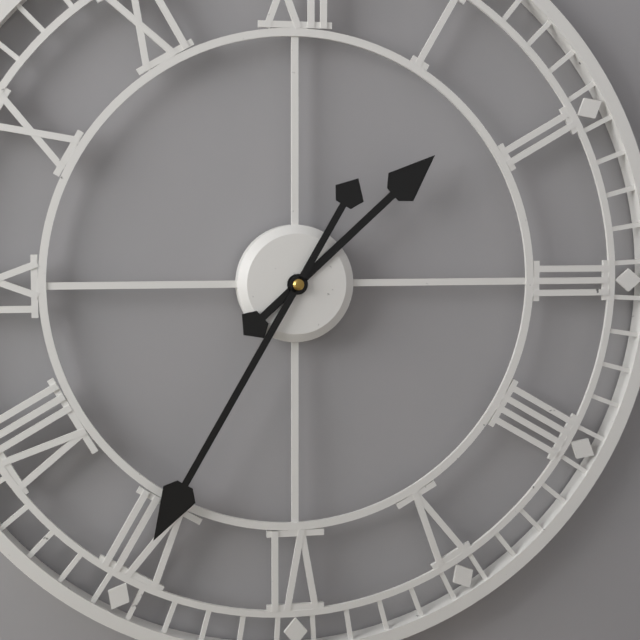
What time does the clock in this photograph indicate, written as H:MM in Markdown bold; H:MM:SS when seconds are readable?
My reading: **1:35**
